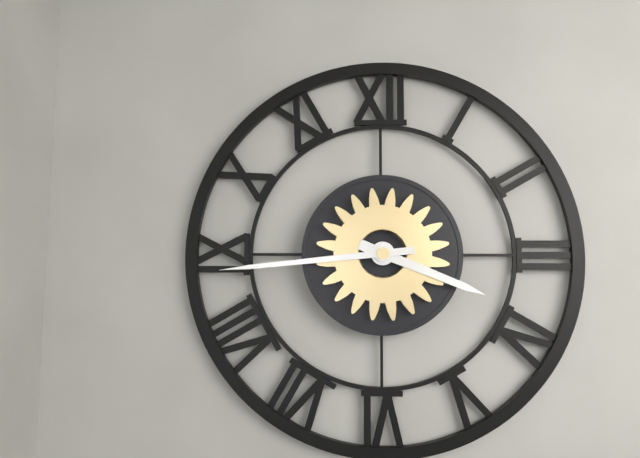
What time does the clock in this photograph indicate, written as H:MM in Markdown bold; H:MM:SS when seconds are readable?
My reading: **3:44**
